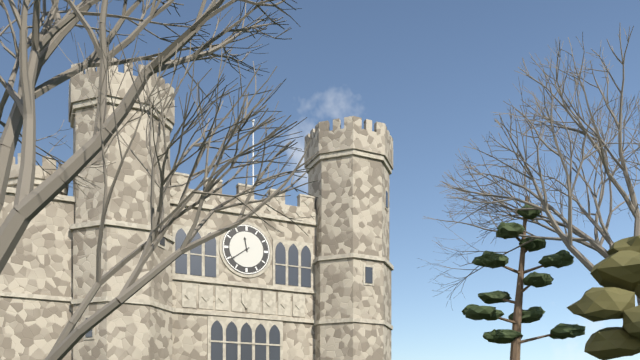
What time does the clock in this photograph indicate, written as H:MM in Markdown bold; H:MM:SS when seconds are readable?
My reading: **11:39**
